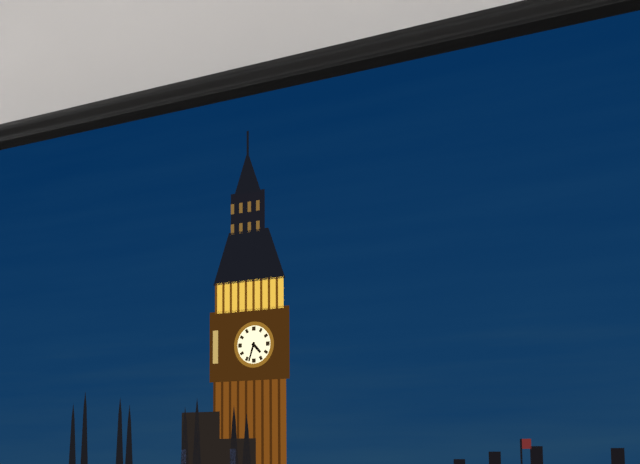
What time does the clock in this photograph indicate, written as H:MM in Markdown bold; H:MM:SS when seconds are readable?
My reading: **4:33**
